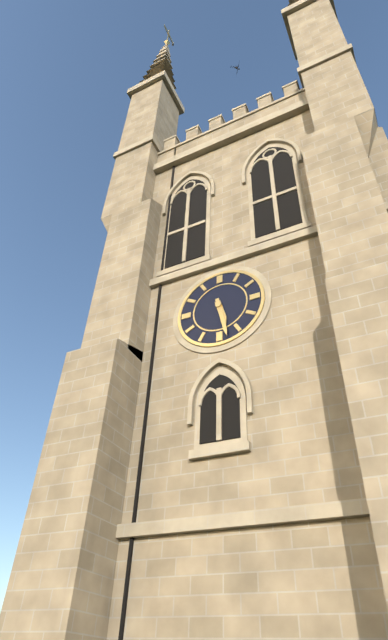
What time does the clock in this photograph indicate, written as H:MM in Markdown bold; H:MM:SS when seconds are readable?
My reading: **5:28**
